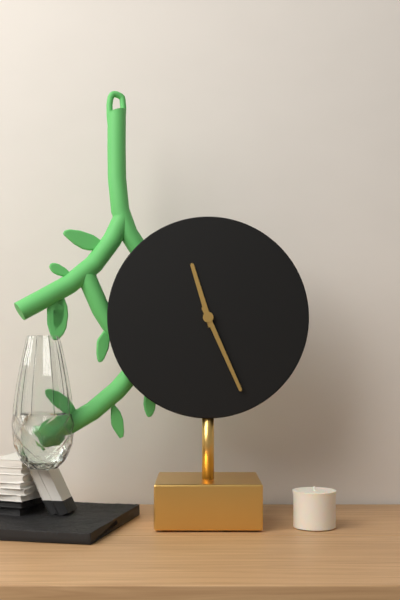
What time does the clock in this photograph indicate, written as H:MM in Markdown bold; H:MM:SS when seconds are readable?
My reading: **11:26**
